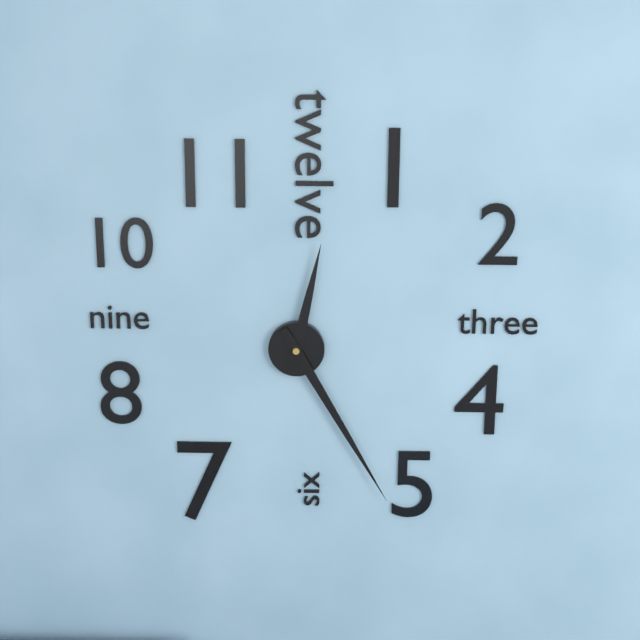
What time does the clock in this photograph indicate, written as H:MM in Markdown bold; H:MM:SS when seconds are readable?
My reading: **12:25**
